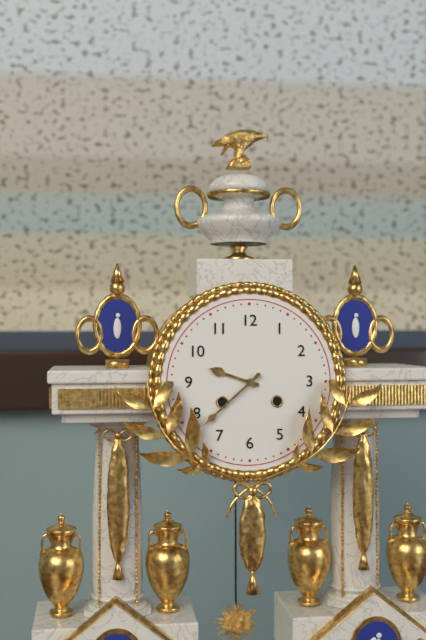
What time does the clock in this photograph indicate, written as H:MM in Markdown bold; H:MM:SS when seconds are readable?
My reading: **9:38**
